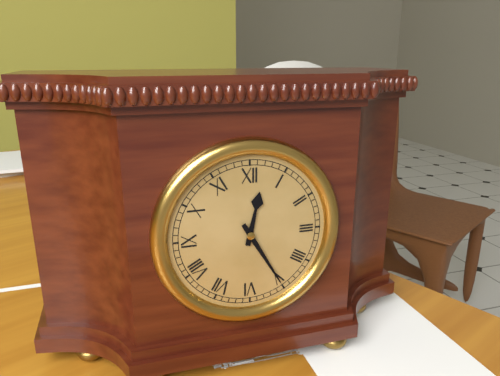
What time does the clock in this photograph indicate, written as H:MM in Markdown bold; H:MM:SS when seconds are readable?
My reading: **12:25**
